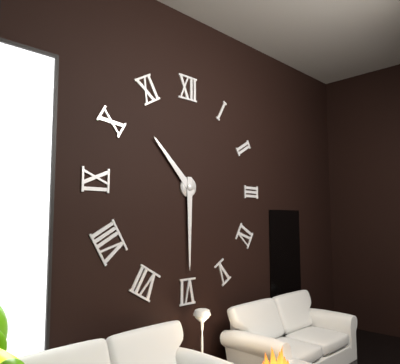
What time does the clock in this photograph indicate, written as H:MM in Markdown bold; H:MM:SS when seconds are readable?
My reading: **10:30**
